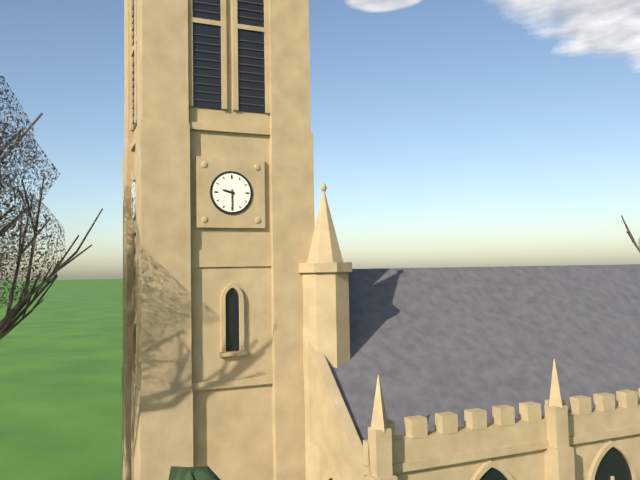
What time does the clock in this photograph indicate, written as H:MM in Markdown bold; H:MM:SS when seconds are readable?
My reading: **9:30**
